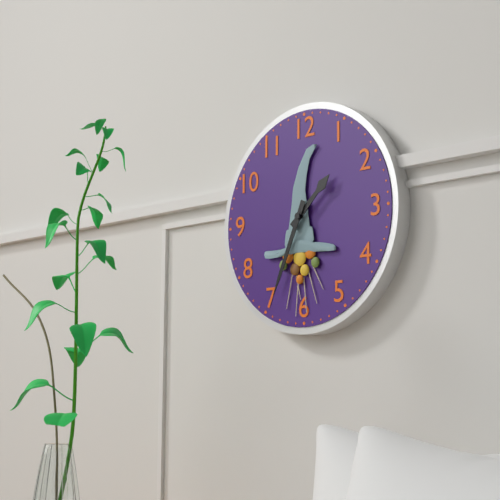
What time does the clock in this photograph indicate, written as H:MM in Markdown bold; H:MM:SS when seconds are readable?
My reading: **1:34**
